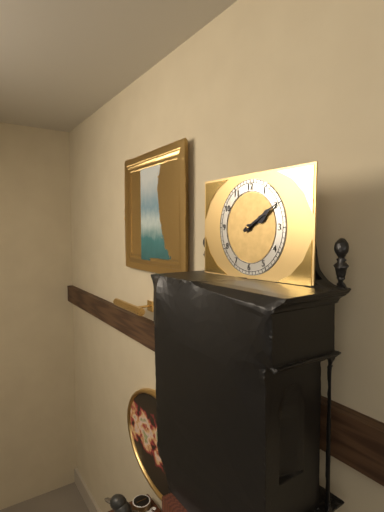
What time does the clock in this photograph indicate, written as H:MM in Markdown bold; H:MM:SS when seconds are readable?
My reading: **2:10**
